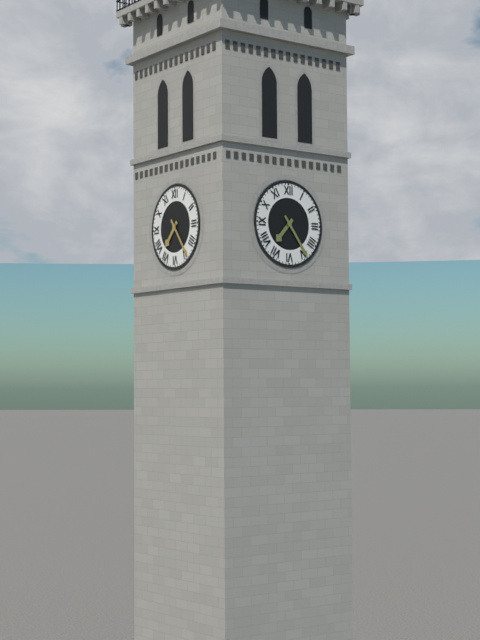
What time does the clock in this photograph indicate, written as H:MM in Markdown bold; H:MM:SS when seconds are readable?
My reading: **7:24**
